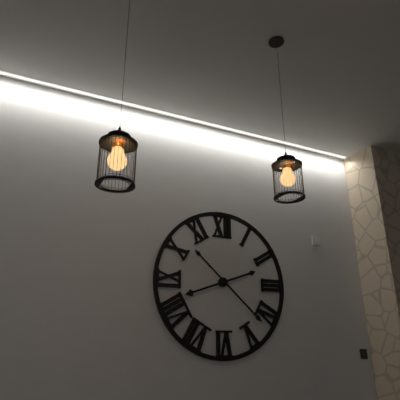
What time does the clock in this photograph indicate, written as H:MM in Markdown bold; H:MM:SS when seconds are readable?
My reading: **8:22**
